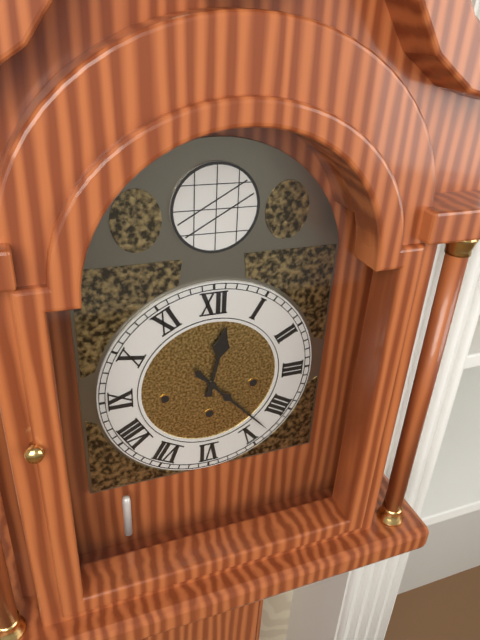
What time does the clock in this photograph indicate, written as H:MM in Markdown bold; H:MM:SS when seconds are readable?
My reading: **12:23**
